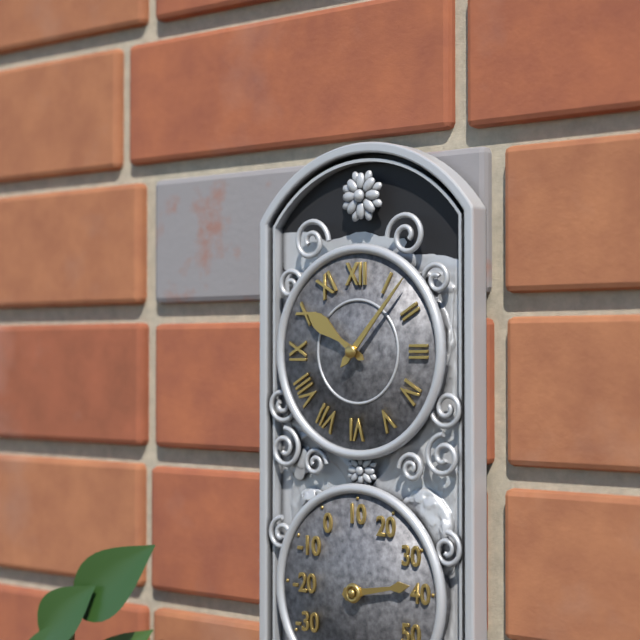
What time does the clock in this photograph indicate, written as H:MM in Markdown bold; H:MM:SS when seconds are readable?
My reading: **10:07**
